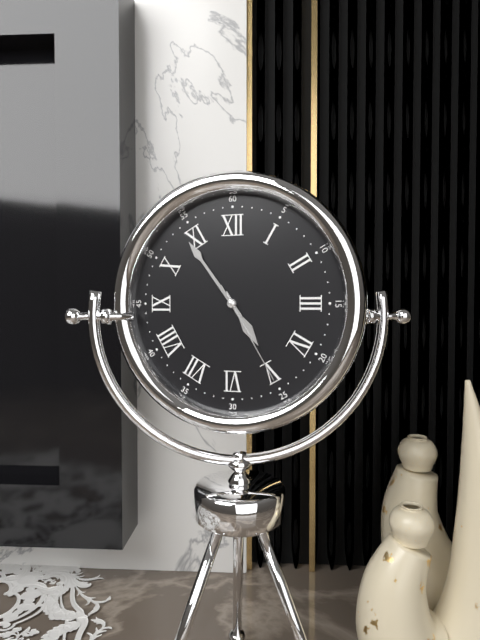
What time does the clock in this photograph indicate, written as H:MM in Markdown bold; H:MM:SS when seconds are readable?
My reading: **4:54:25**
